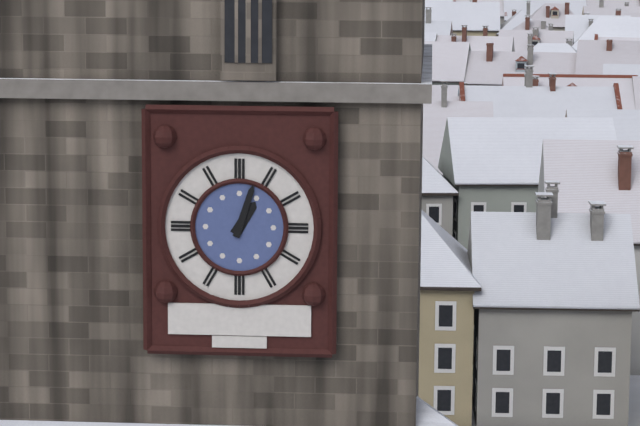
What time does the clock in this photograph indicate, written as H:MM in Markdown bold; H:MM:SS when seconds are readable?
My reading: **1:03**
